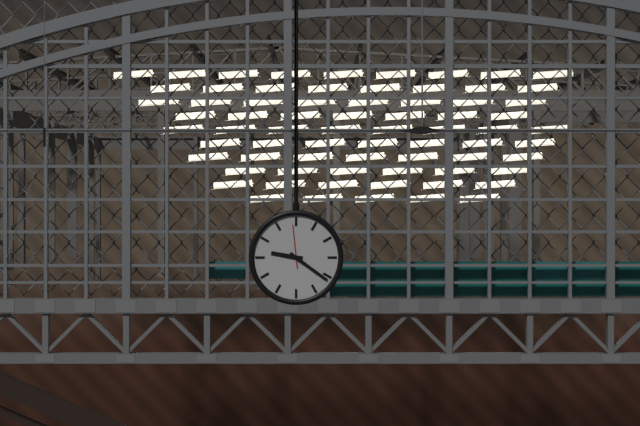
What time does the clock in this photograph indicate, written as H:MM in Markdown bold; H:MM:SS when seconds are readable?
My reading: **9:21**
